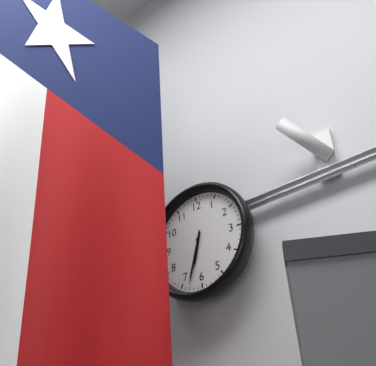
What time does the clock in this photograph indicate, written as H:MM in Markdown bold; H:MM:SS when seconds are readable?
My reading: **6:33**
